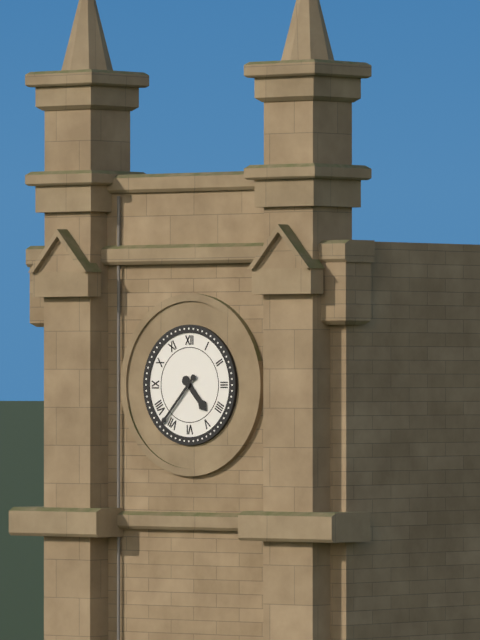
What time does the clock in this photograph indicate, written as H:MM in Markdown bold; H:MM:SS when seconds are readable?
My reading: **4:37**
